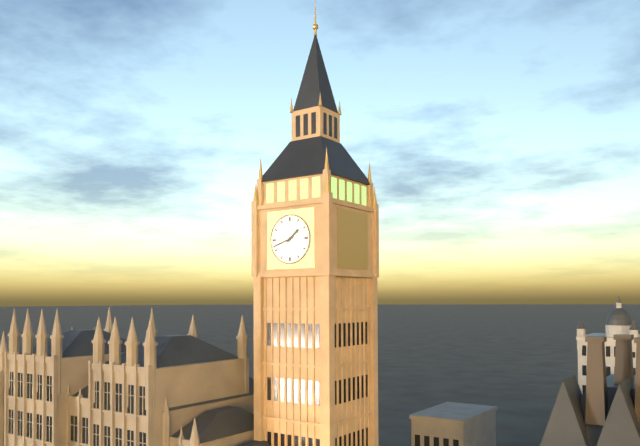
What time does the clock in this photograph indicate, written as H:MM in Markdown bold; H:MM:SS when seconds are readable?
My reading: **1:42**
